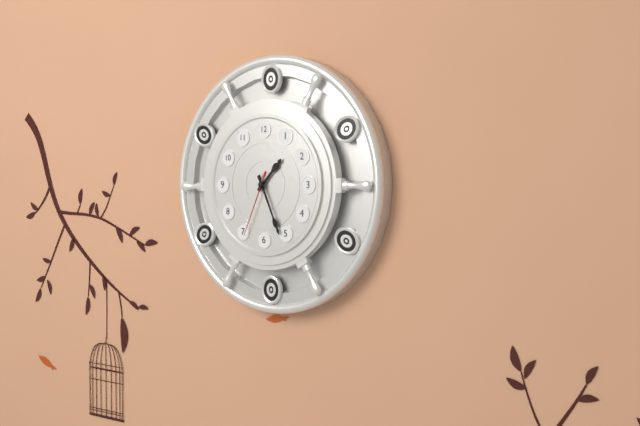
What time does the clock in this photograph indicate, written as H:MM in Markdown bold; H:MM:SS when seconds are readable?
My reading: **1:26:34**
